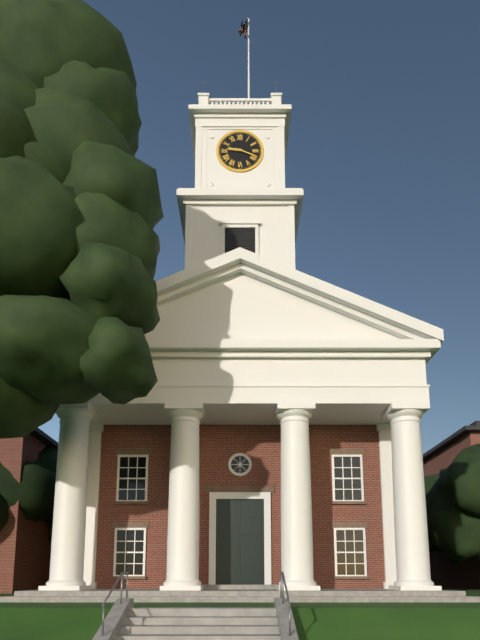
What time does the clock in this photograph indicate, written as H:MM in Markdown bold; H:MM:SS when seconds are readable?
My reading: **9:19**
